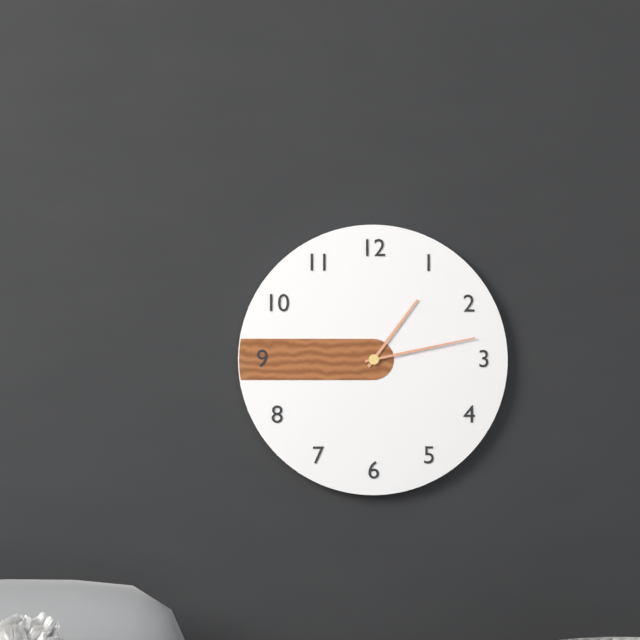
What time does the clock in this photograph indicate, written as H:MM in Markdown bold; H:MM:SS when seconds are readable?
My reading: **1:13**
